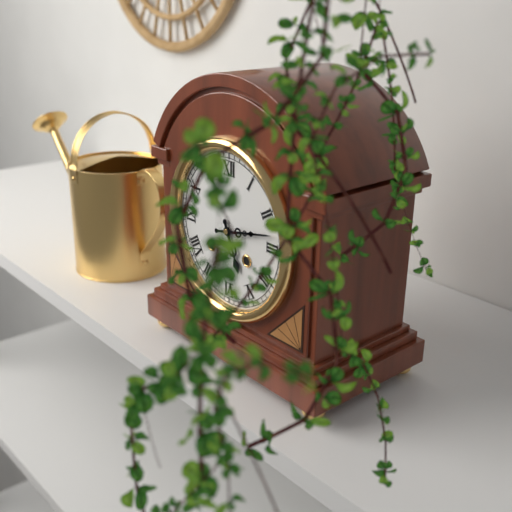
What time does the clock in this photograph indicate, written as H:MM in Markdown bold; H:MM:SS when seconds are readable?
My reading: **5:13**
